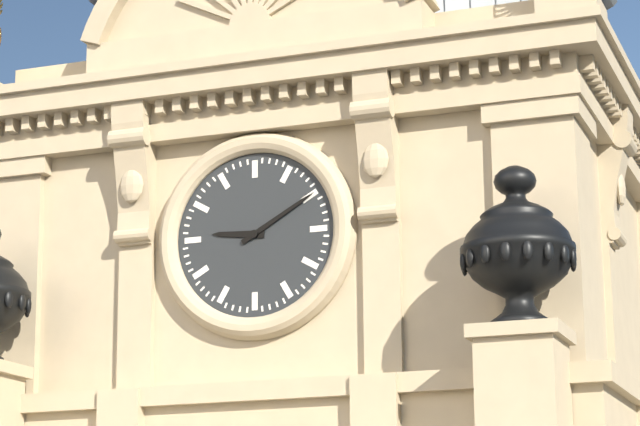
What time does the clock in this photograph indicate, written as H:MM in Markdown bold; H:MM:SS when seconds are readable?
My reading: **9:10**
